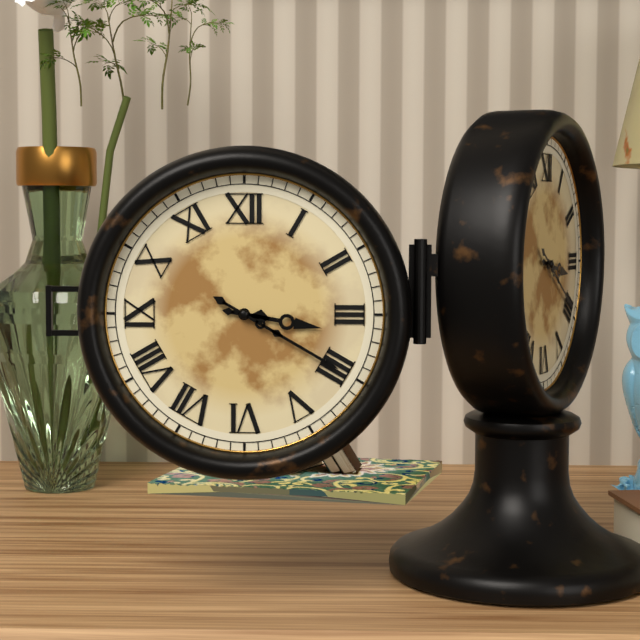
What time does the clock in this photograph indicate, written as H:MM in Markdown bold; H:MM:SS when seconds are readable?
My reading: **3:20**
